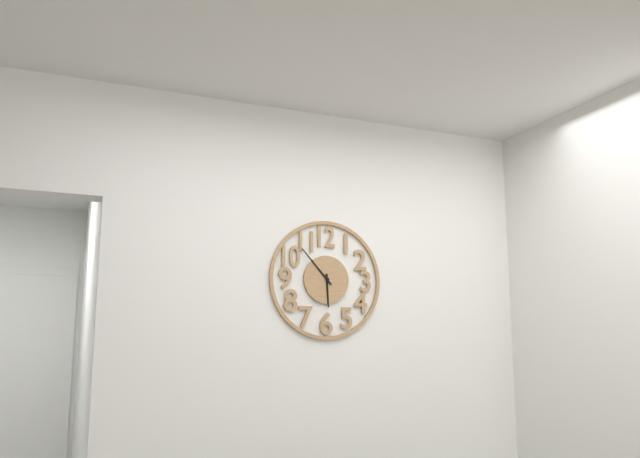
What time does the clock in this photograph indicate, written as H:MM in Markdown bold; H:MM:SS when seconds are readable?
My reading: **5:53**
